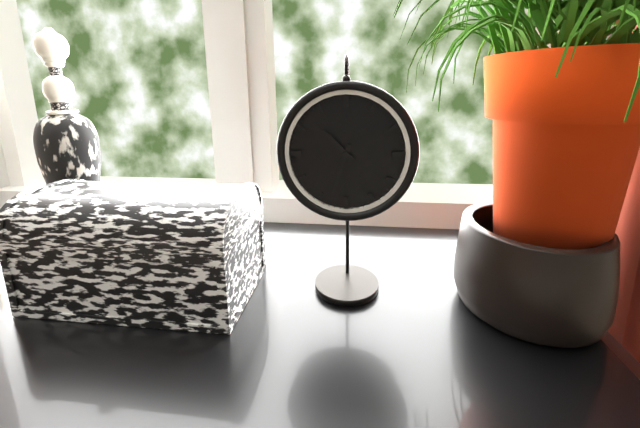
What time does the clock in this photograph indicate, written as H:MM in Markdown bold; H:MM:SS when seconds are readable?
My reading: **10:33**
